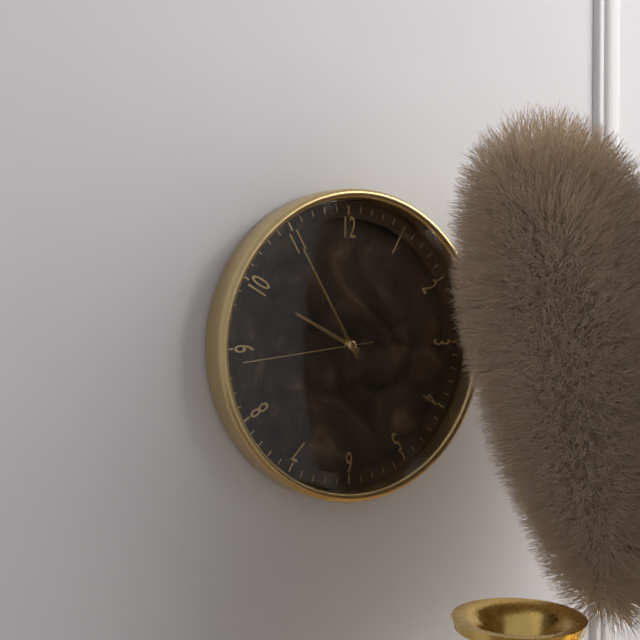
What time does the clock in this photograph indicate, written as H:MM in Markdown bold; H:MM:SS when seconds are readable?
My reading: **9:55:44**
